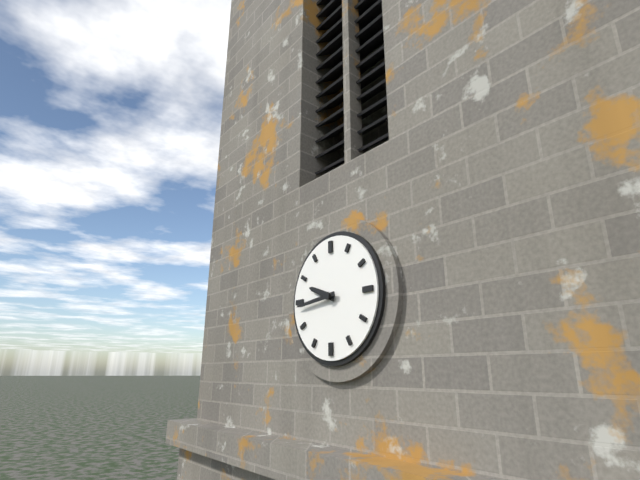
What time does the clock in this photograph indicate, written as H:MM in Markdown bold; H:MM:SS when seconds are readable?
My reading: **9:44**
